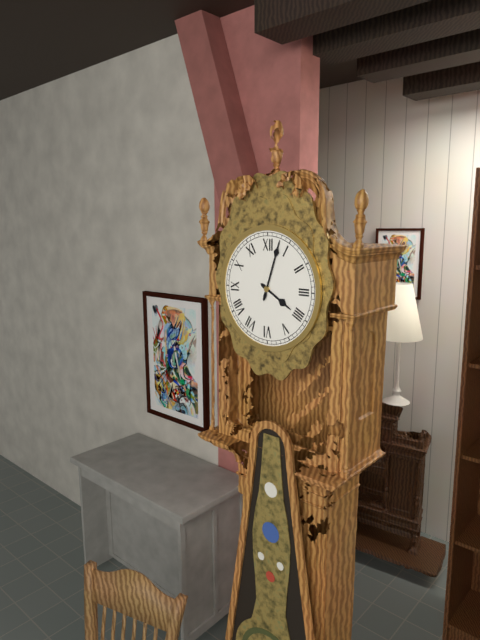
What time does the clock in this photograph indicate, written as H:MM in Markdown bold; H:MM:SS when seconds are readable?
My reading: **4:03**
